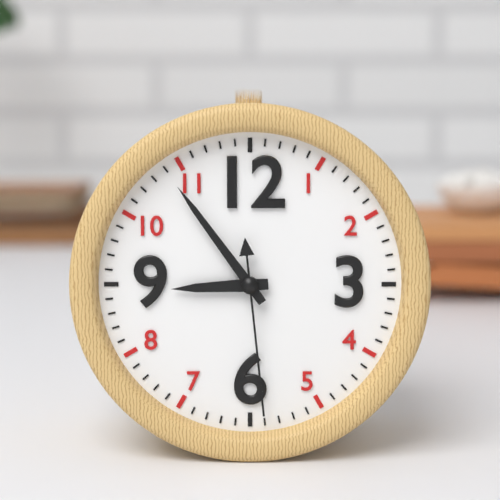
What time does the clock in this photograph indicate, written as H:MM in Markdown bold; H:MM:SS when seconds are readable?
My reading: **8:54:29**
